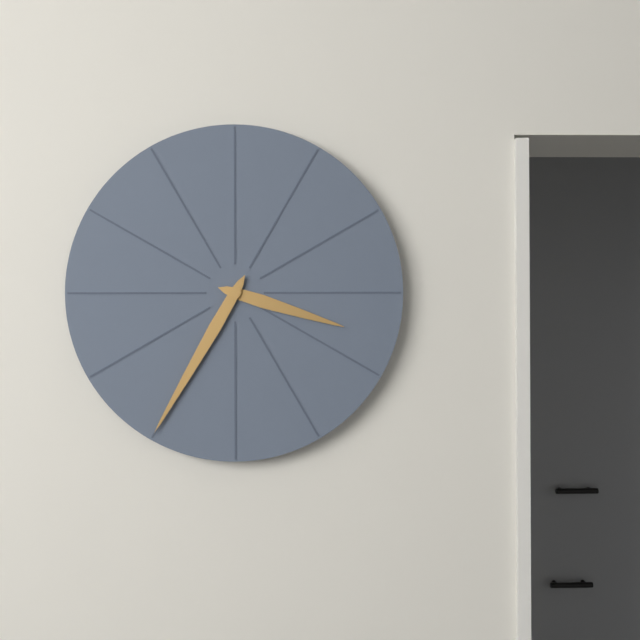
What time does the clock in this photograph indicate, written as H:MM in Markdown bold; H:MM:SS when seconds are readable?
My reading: **3:35**
